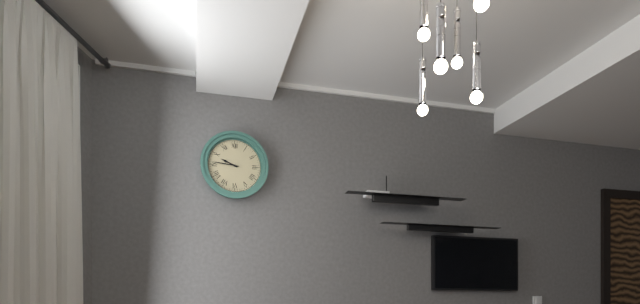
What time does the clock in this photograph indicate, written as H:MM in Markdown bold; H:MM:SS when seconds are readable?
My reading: **9:46**
